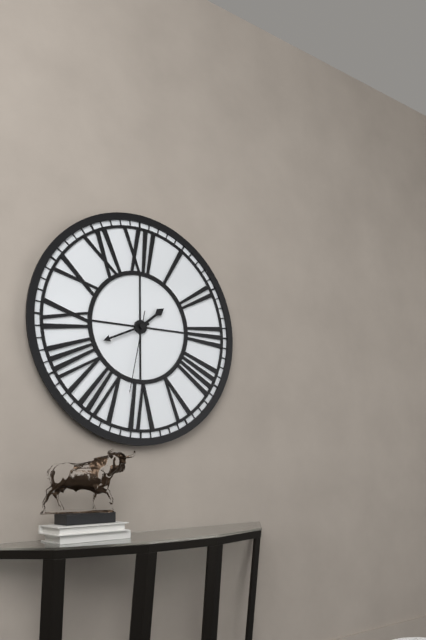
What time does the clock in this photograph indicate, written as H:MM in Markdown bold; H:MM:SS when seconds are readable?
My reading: **1:41:32**
